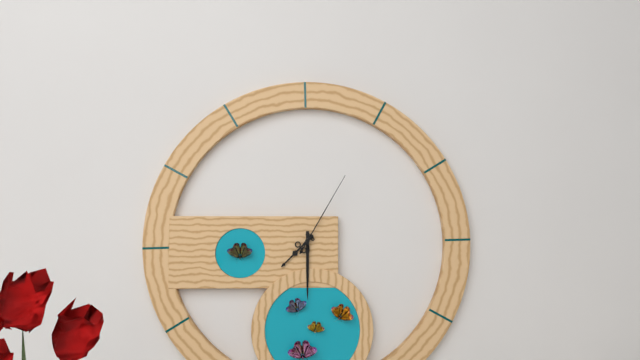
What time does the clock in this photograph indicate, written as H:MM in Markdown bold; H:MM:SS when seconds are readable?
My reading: **7:30:05**
